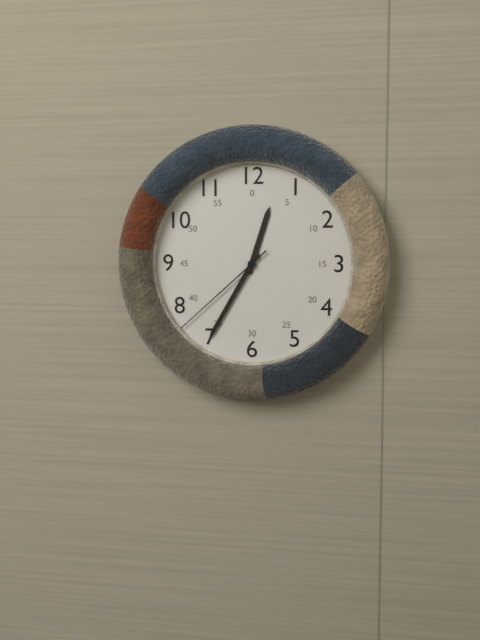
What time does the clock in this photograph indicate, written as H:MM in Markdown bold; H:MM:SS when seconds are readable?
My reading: **12:35:38**
